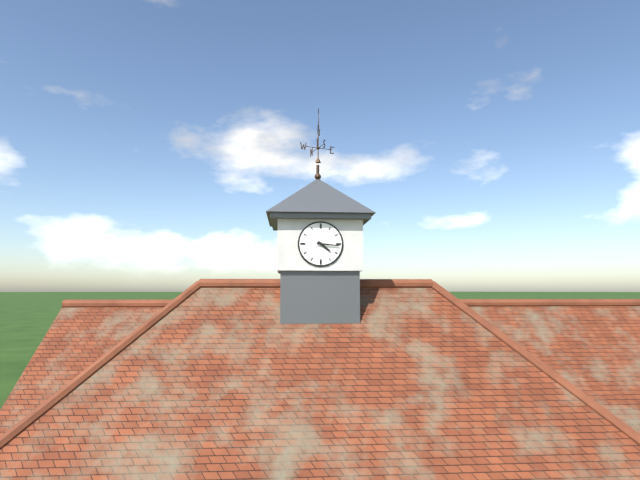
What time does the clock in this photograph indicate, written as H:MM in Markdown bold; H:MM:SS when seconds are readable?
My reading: **4:16**
